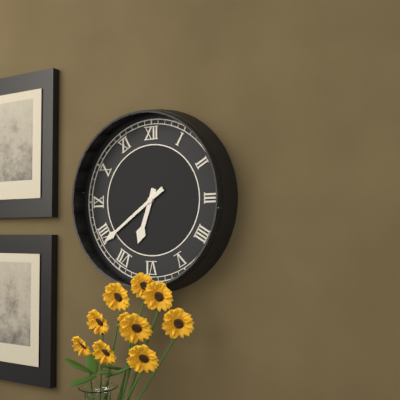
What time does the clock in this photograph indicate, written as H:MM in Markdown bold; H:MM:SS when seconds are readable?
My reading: **6:39**
